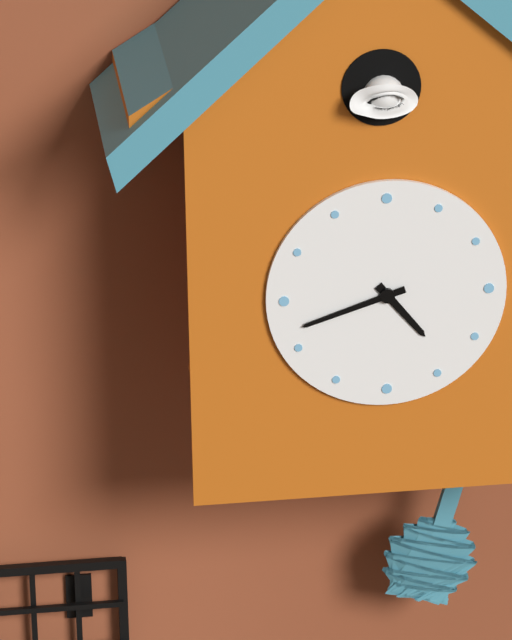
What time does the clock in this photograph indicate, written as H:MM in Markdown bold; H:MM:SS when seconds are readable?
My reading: **4:42**
